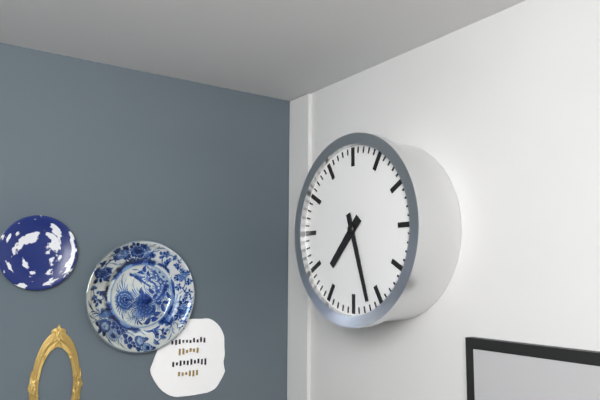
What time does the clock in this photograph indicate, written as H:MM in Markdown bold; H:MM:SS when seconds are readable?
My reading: **7:27**
